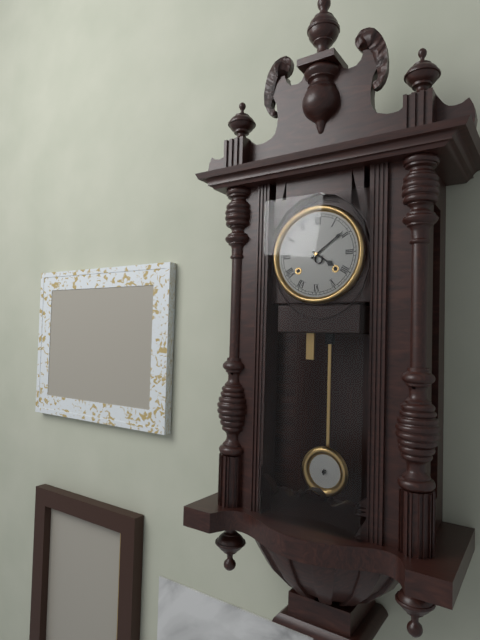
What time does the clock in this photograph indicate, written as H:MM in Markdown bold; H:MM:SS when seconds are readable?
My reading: **4:09**
